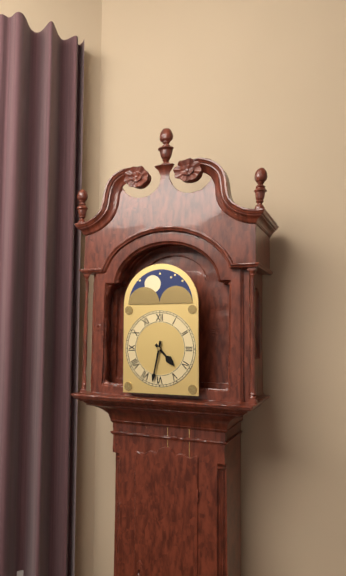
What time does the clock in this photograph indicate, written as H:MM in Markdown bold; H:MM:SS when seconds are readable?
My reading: **4:32**
